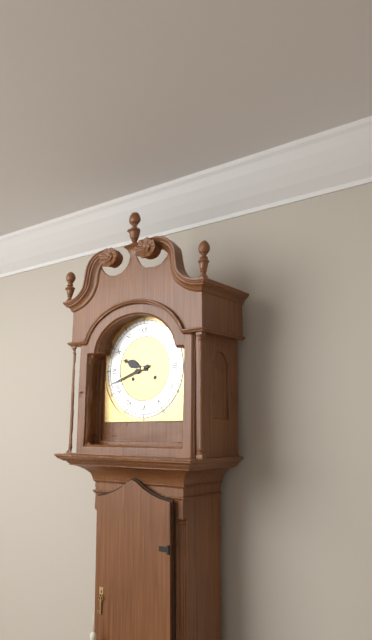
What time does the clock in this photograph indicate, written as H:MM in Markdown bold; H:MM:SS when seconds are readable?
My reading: **9:42**
